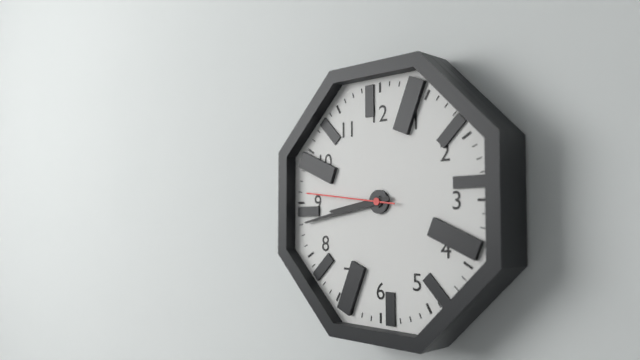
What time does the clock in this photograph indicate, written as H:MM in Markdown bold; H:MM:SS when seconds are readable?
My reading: **8:43:46**
